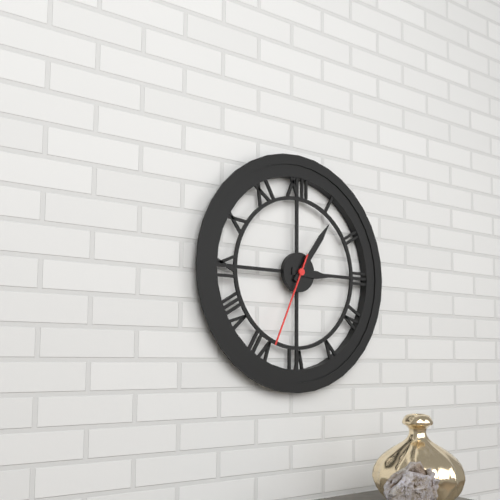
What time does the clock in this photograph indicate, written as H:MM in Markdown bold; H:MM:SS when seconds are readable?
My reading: **3:06:34**
